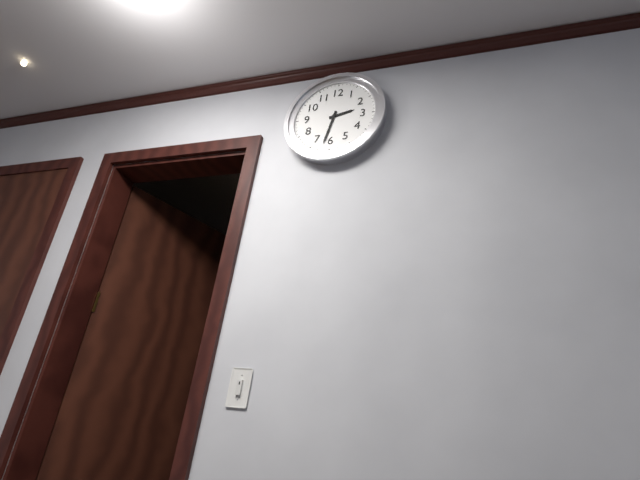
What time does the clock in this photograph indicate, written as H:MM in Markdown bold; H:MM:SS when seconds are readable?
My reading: **2:32**
